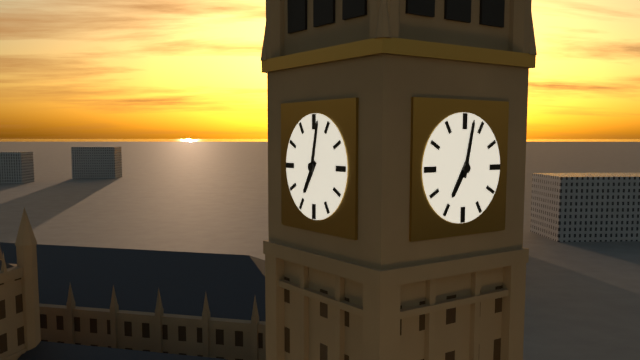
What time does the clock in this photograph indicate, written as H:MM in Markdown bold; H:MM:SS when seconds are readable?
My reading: **7:02**
